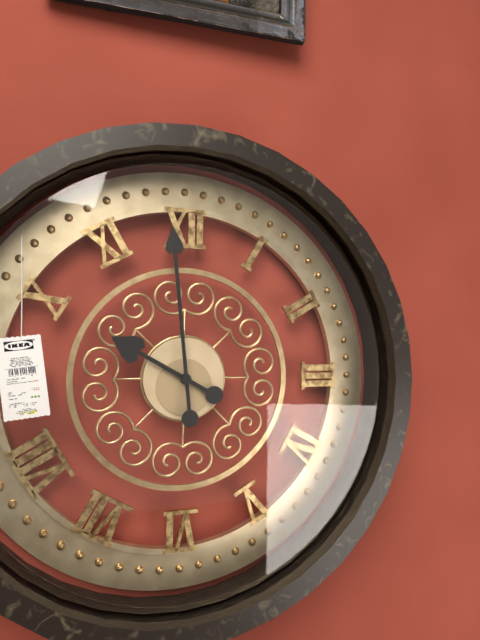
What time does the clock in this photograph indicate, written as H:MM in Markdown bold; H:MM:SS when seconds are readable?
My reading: **9:59**
